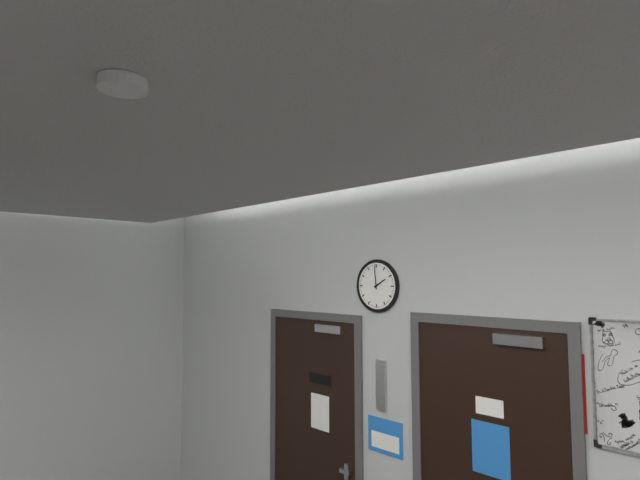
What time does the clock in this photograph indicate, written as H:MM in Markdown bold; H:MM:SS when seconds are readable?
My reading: **1:59**
